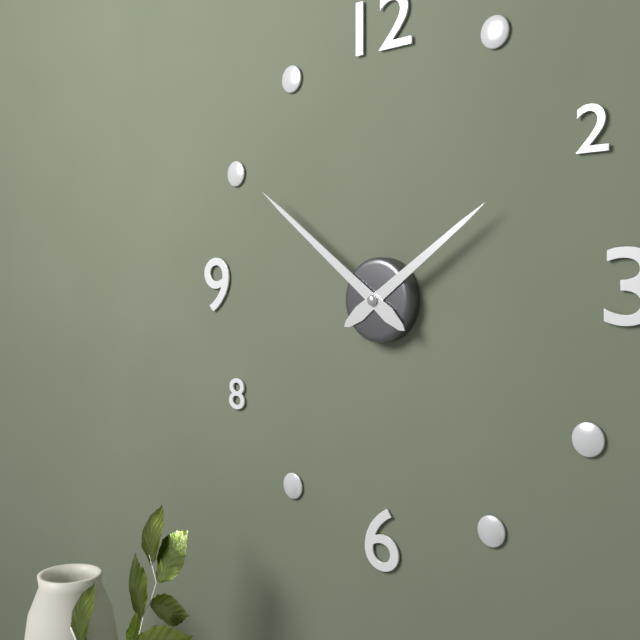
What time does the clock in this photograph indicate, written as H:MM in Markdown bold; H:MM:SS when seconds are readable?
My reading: **1:51**
